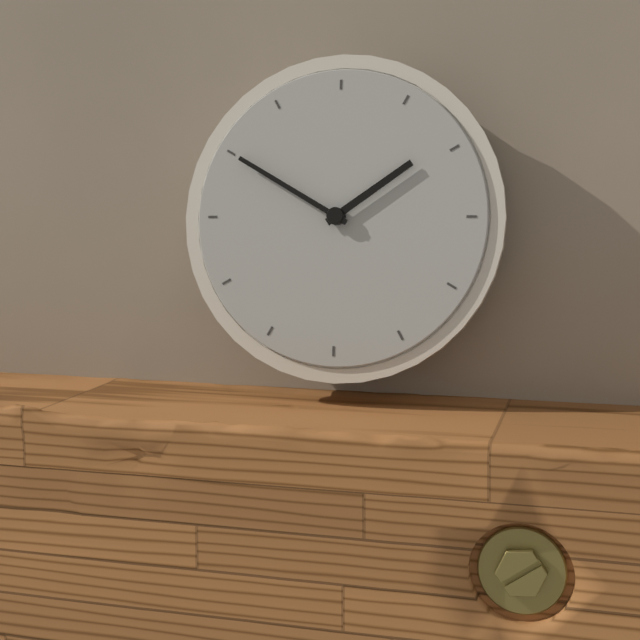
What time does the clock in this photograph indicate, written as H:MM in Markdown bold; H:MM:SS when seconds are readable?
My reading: **1:50**
